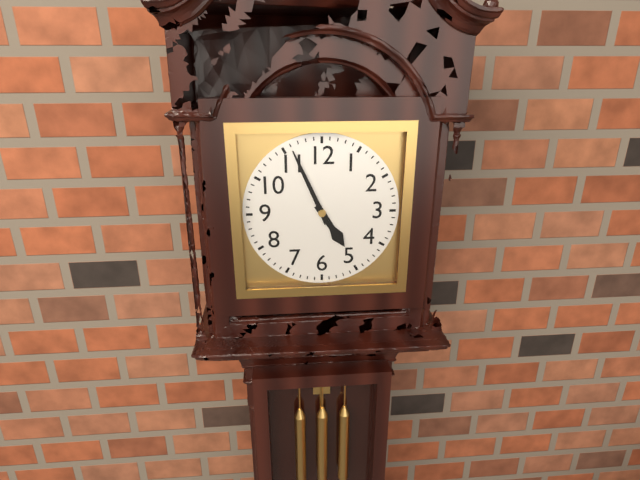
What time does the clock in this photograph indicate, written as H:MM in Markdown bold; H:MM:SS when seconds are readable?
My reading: **4:56**
